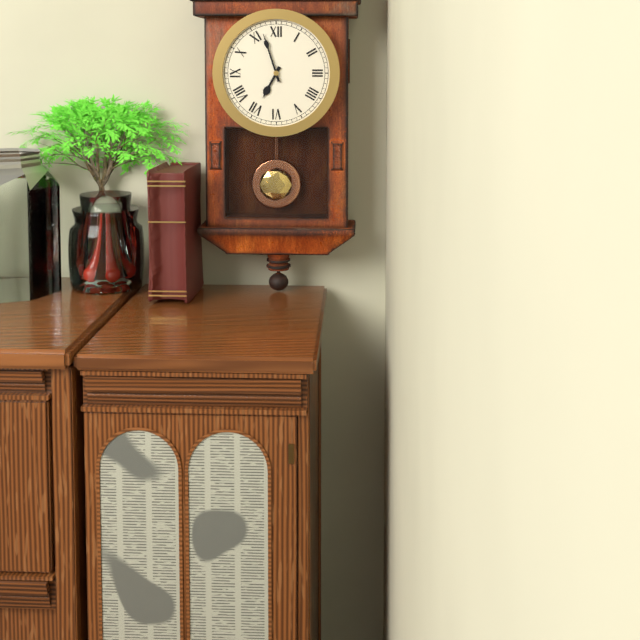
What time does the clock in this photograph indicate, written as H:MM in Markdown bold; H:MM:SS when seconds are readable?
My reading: **6:57**
